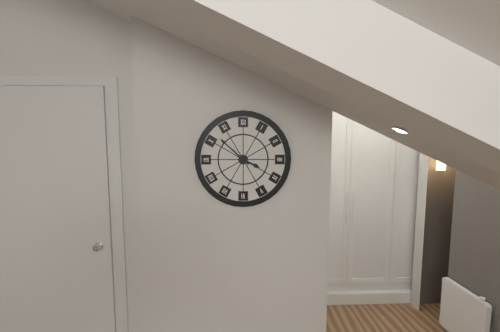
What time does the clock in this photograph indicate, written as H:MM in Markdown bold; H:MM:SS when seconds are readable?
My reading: **3:52**
